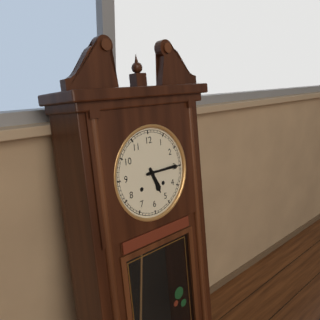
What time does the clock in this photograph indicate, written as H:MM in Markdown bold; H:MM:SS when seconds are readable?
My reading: **5:15**
